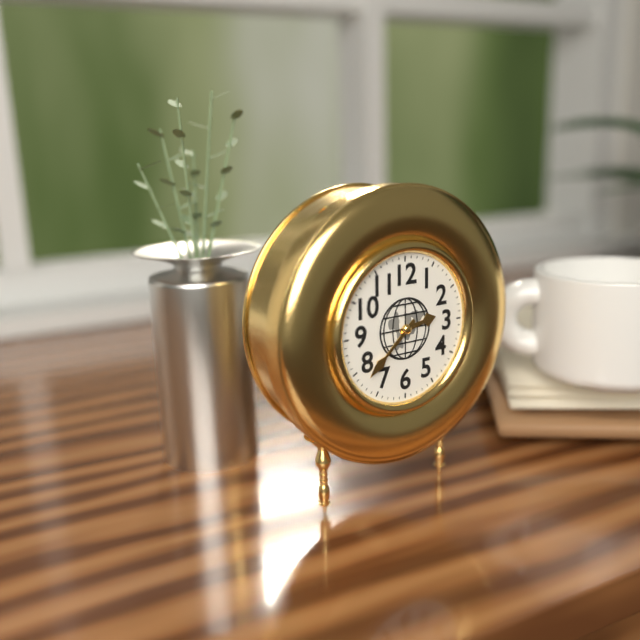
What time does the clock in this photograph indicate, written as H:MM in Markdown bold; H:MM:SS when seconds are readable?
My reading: **2:38**
